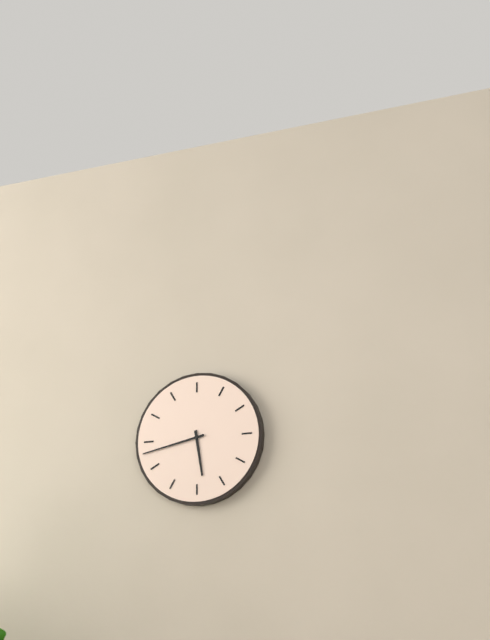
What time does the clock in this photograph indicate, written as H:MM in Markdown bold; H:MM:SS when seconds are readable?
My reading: **5:43**
